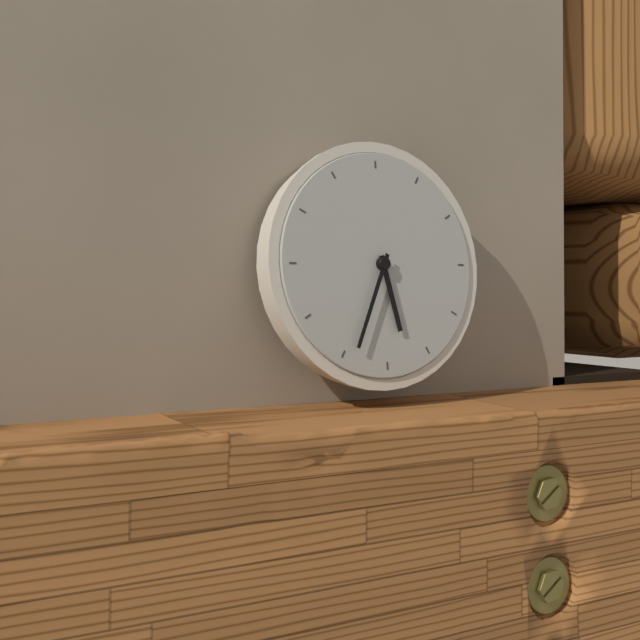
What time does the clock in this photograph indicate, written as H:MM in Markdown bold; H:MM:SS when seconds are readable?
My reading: **5:34**
